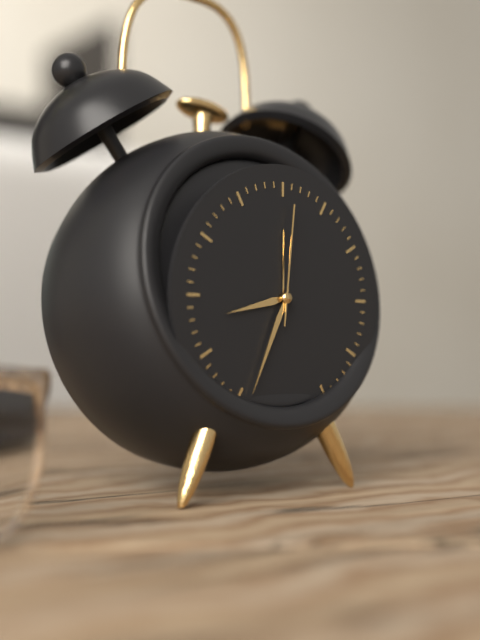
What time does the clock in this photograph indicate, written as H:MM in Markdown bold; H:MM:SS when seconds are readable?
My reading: **8:34:01**
